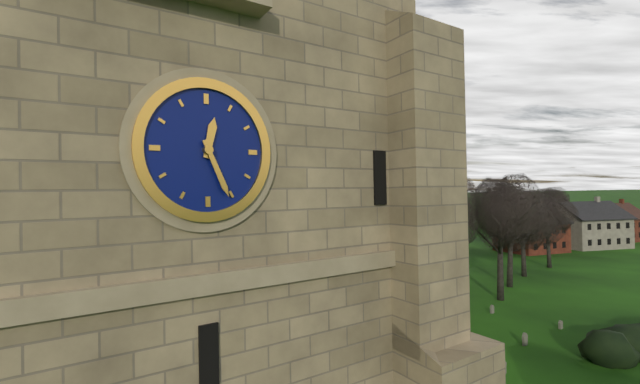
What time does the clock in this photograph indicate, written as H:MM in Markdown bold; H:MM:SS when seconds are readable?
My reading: **12:26**
